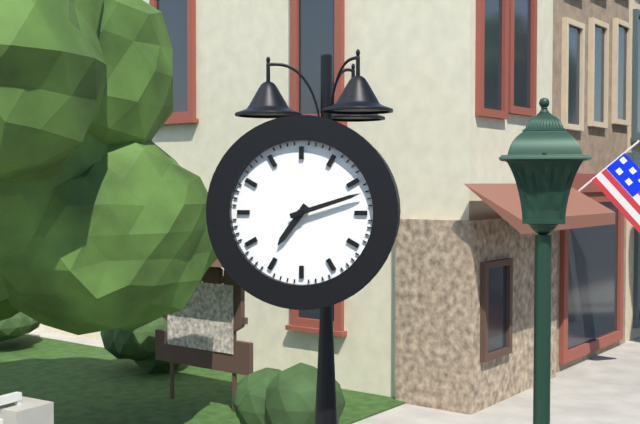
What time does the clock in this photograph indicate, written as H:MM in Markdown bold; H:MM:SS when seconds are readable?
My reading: **7:12**
